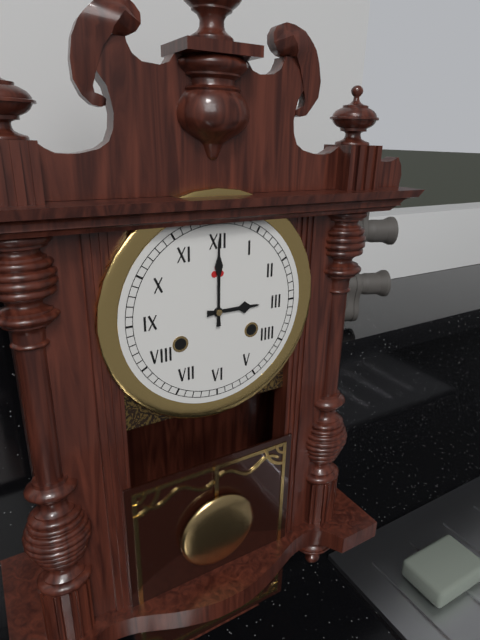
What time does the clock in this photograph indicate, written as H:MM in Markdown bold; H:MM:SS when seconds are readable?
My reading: **3:00**
